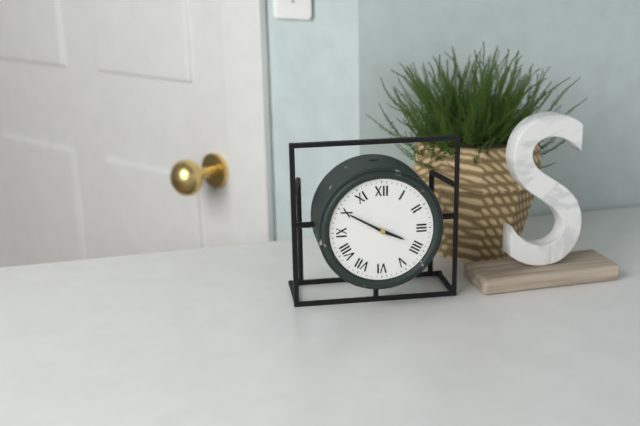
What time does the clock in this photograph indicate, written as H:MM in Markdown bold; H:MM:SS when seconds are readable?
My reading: **3:50**
